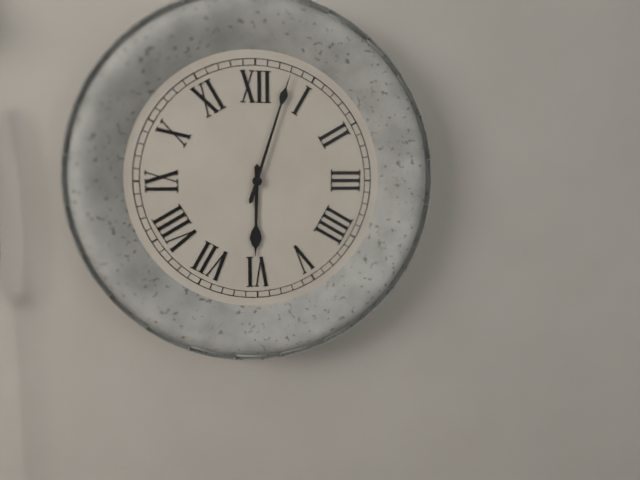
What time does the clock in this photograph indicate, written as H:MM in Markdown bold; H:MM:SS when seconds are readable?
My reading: **6:03**
